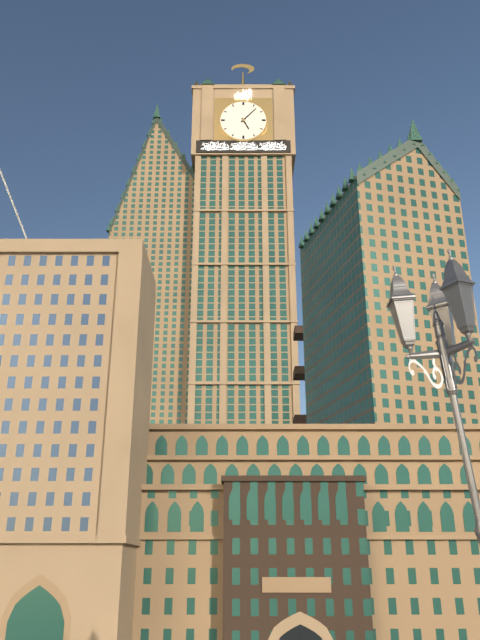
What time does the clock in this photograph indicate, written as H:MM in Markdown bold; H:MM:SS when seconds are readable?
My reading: **5:07**
